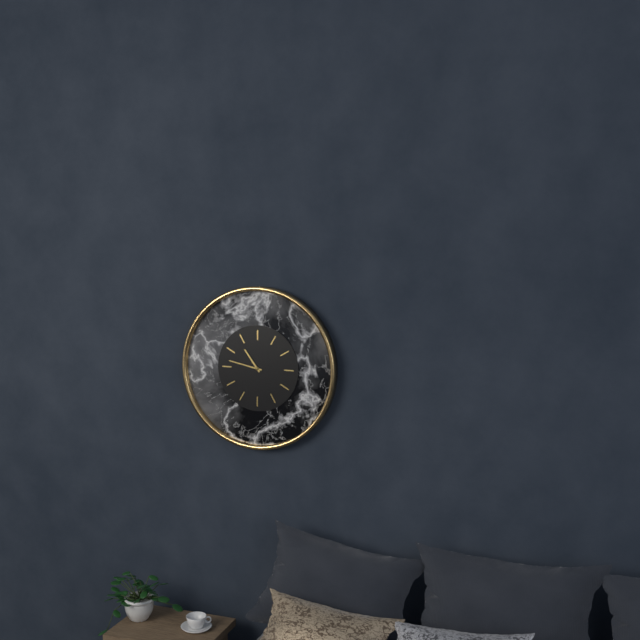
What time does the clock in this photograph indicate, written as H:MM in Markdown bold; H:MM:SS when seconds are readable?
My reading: **10:47**
